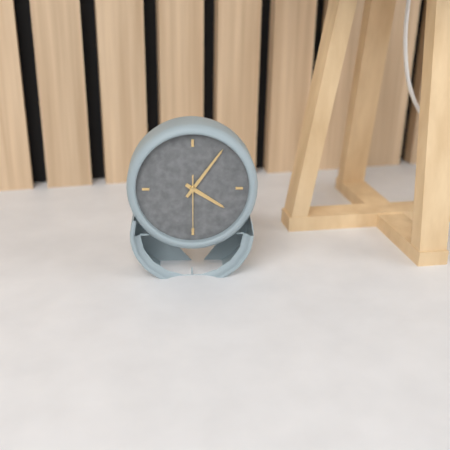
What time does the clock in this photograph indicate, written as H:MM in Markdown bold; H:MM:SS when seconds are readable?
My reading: **4:06:30**
